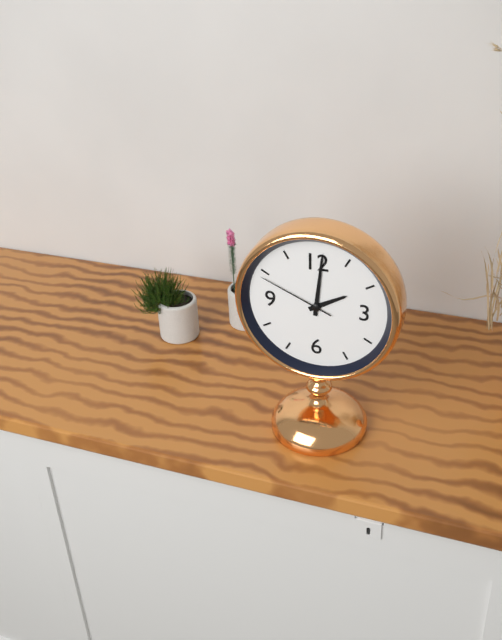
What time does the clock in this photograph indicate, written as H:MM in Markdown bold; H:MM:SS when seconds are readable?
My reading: **2:01:49**
